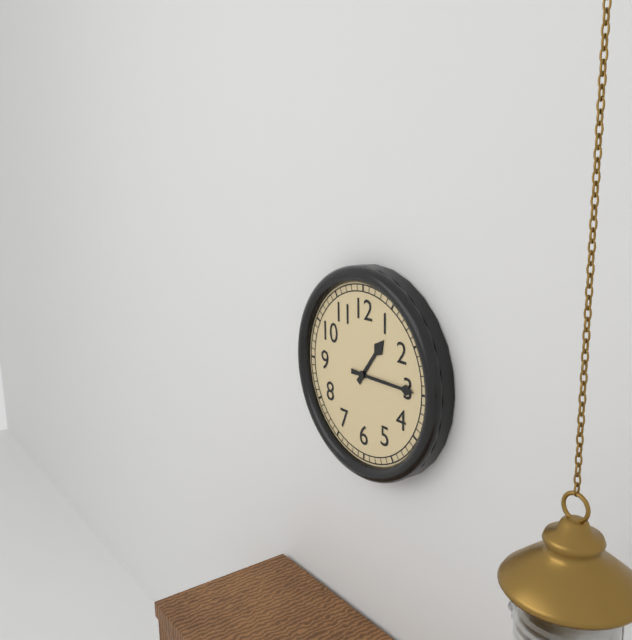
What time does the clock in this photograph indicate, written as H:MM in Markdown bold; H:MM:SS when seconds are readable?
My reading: **1:15**
